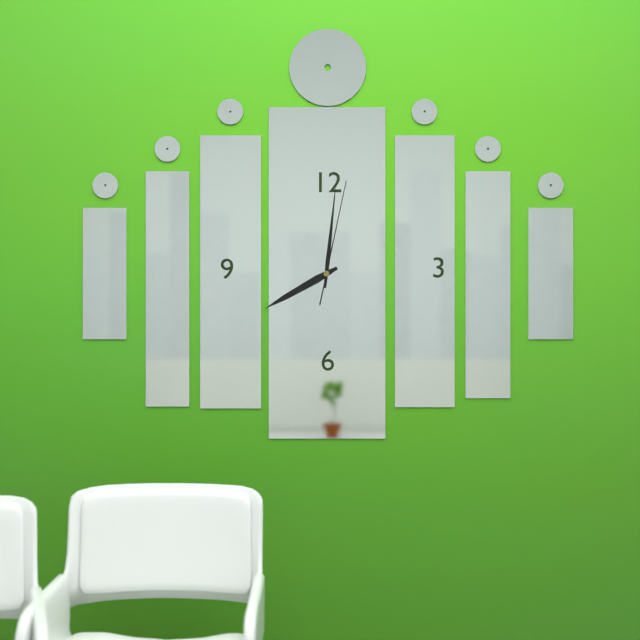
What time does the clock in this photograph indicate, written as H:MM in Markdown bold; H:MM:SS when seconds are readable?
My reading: **8:01:02**
